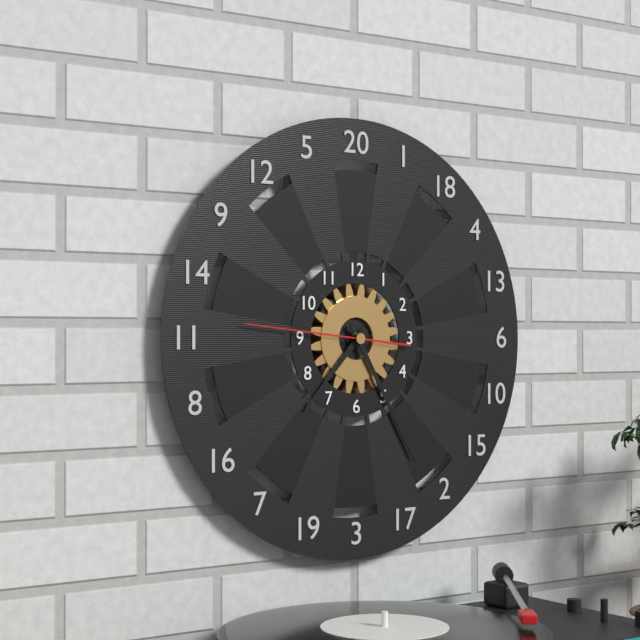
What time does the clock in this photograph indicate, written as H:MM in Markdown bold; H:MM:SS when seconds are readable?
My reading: **7:25:46**
